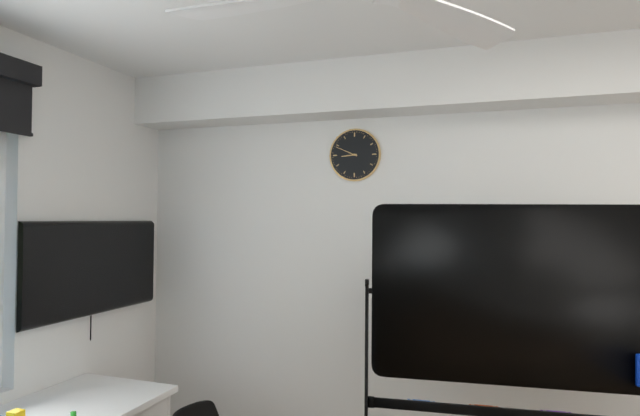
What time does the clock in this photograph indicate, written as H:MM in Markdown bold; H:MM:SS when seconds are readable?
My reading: **8:49**
